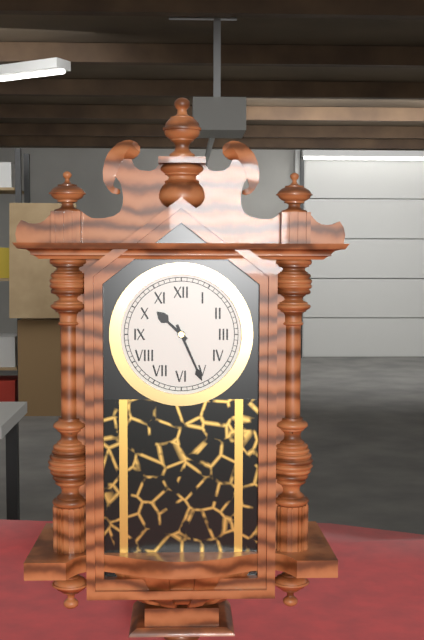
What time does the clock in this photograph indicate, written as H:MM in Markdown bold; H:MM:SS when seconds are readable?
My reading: **10:26**
